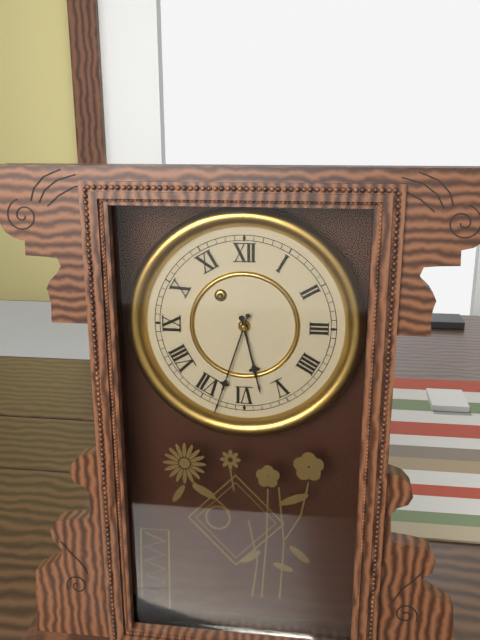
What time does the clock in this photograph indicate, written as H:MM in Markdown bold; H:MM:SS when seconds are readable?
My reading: **5:33**
